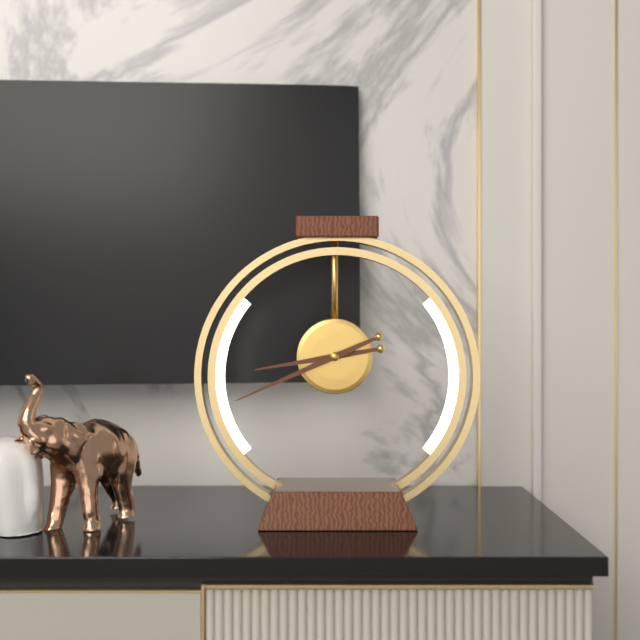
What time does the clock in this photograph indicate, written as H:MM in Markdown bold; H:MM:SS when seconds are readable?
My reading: **8:41**
